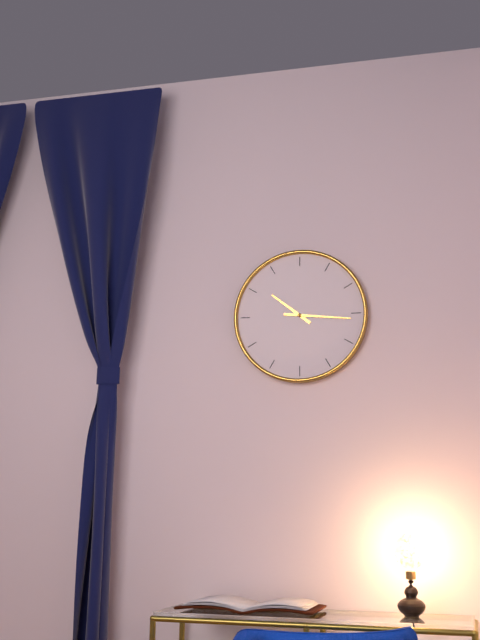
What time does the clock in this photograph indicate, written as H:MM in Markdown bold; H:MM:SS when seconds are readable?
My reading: **10:16**
